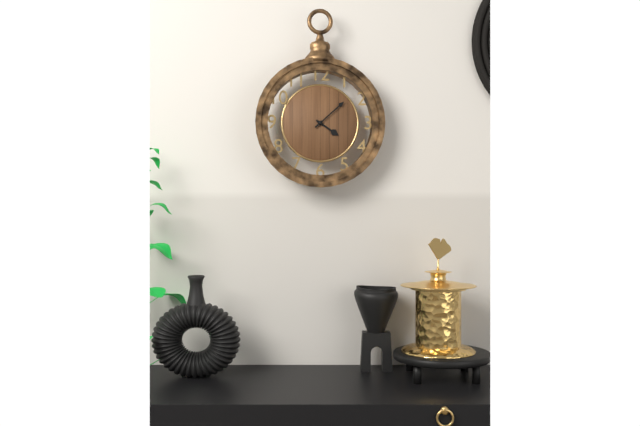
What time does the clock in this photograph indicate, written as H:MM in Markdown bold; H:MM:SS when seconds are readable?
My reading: **4:08**
